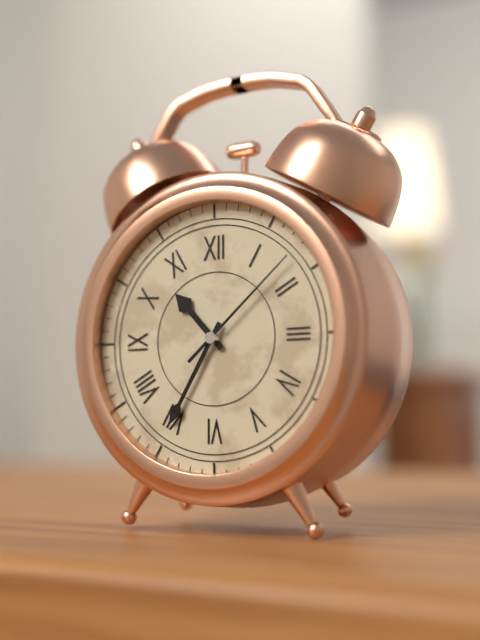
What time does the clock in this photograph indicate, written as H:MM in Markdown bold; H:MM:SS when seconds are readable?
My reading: **10:35:08**
